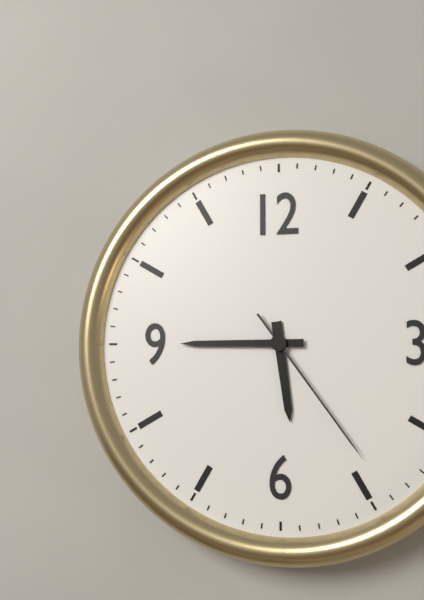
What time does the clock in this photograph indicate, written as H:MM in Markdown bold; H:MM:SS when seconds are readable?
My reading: **5:45:24**
